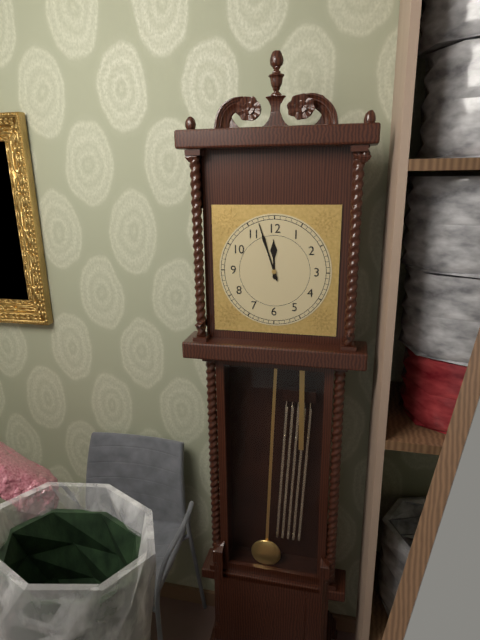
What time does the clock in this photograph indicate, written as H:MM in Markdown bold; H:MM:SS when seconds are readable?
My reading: **11:57**
